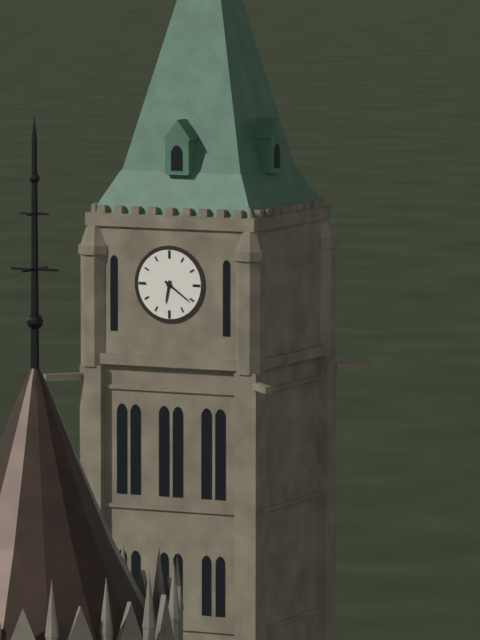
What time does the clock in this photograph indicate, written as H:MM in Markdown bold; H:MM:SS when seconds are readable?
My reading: **6:21**
